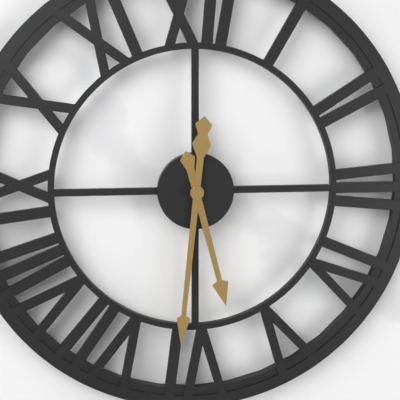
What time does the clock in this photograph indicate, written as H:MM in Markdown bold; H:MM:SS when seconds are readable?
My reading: **5:31**
